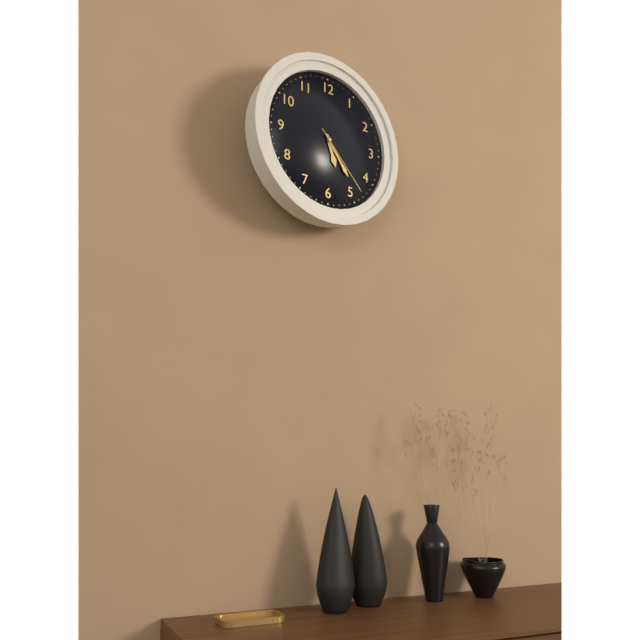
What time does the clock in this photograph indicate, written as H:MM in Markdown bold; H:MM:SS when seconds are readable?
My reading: **5:24:23**
